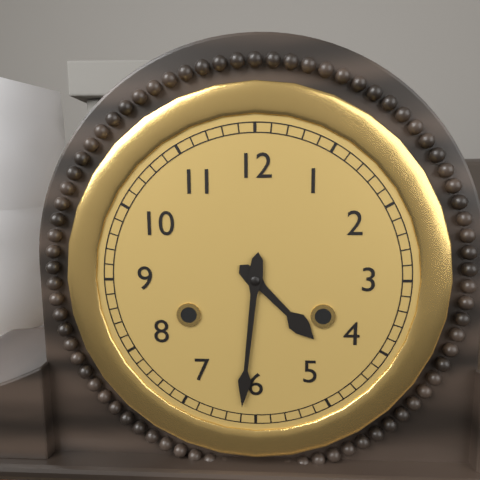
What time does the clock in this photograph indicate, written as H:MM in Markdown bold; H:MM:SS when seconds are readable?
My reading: **4:31**
